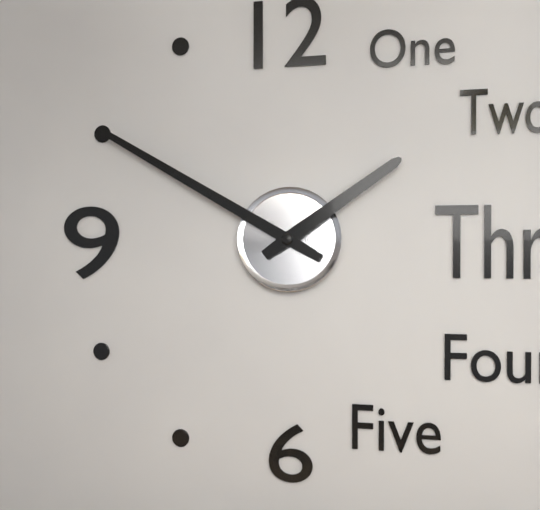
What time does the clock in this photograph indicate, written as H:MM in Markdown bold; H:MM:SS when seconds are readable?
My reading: **1:50**
